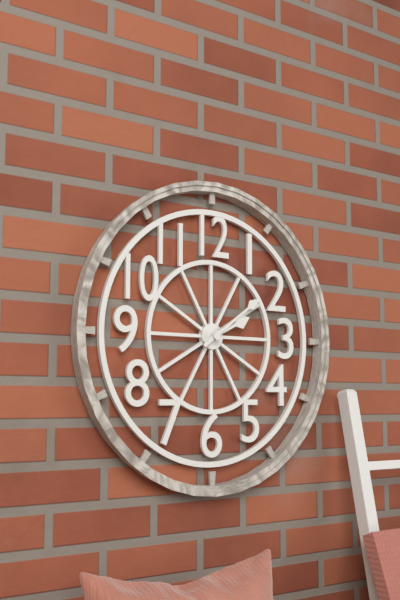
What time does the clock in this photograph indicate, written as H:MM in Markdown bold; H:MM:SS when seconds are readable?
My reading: **2:09**
